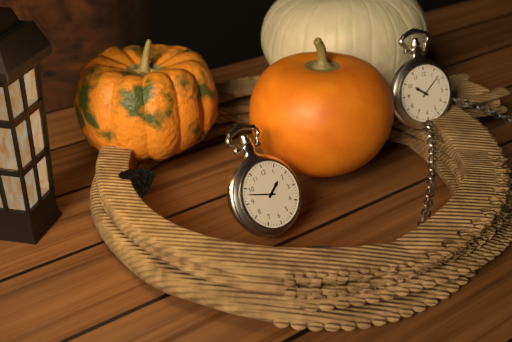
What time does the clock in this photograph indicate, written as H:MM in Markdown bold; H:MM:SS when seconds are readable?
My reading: **1:48**
